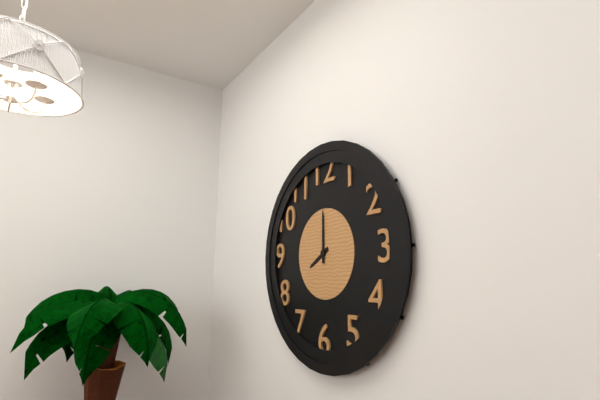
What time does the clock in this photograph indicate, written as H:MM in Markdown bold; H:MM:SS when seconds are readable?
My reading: **8:00**
